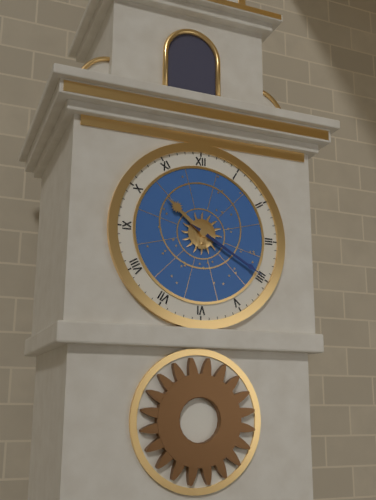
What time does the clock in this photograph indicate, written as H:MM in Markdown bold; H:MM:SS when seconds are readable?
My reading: **10:20**
